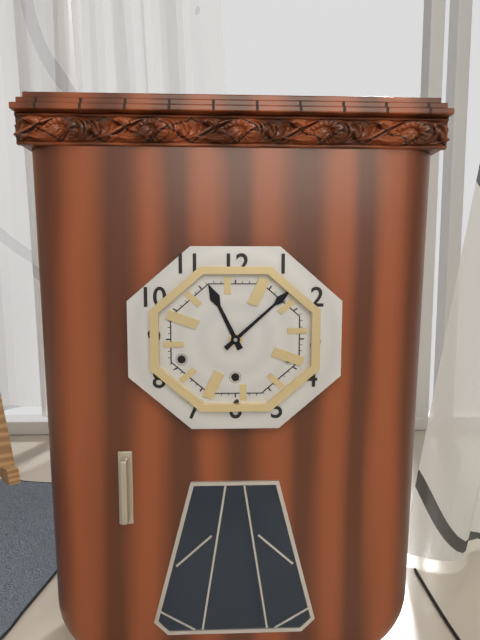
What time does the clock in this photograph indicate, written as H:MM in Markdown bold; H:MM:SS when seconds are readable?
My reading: **11:08**
